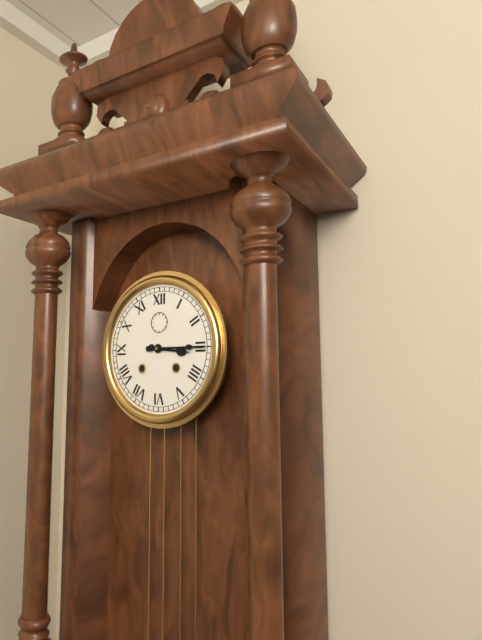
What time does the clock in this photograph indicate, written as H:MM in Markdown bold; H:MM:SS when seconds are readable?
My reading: **3:15**
